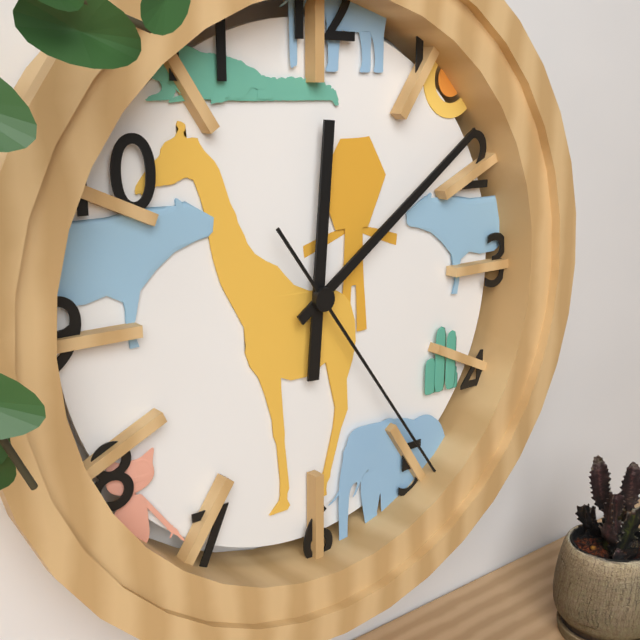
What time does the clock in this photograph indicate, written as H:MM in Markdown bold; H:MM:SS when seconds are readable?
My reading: **12:09:24**
